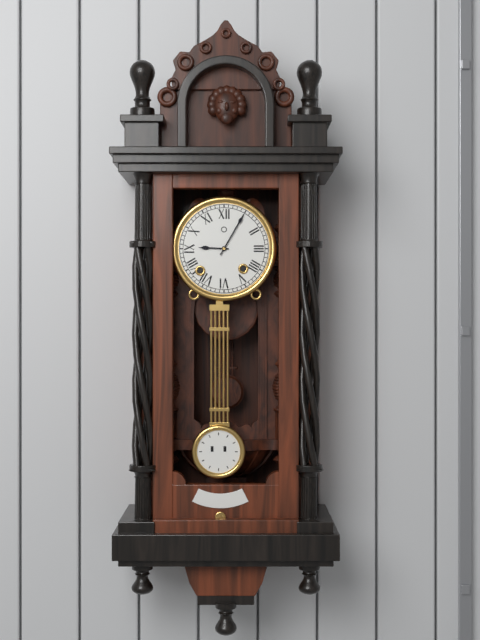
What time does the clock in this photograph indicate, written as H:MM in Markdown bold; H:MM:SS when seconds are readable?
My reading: **9:05**
